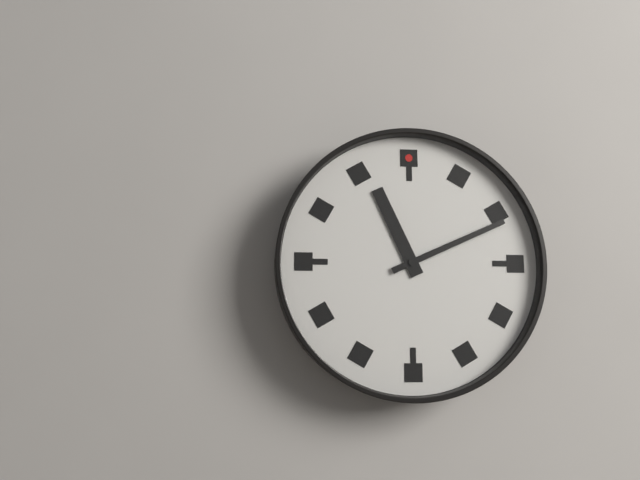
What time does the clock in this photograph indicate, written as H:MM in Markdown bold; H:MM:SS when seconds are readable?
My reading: **11:11**
